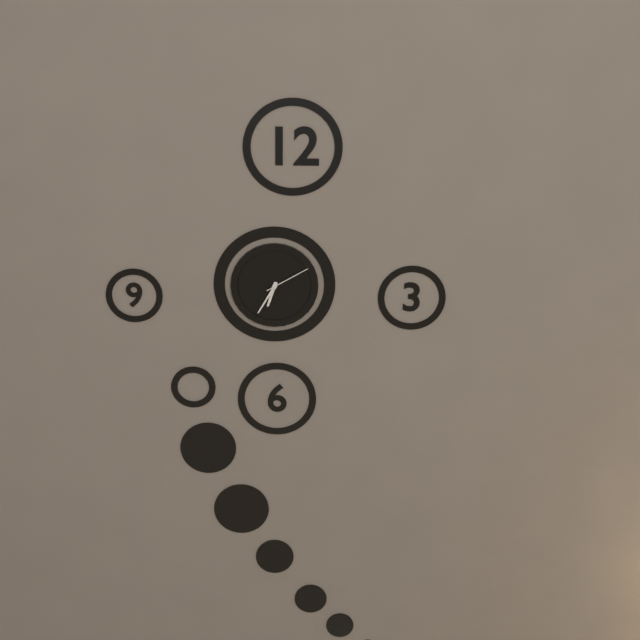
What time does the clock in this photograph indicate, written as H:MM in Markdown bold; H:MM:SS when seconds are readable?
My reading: **6:35**
